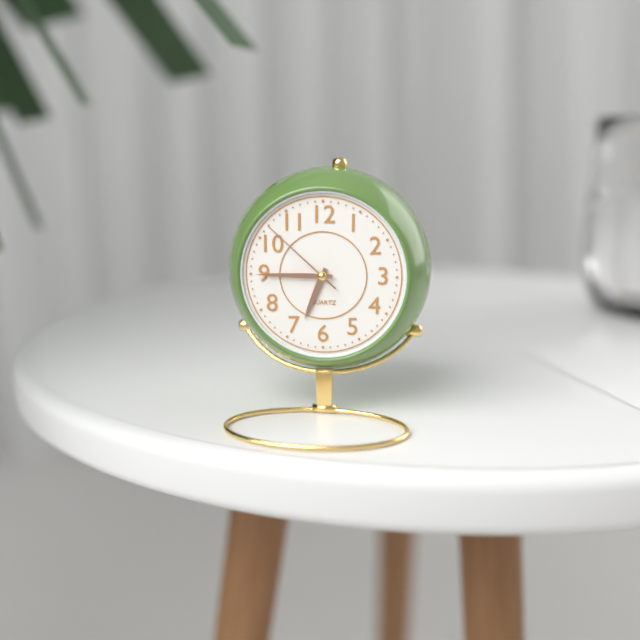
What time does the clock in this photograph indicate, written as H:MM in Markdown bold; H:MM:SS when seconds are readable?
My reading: **6:45:52**
